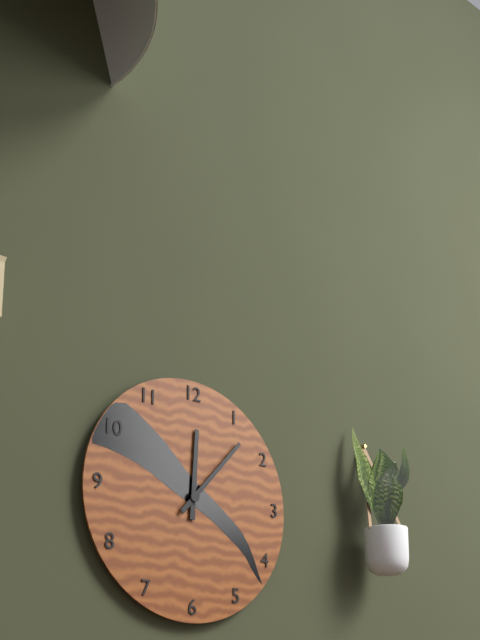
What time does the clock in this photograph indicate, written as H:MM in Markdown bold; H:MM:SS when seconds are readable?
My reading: **12:07**
